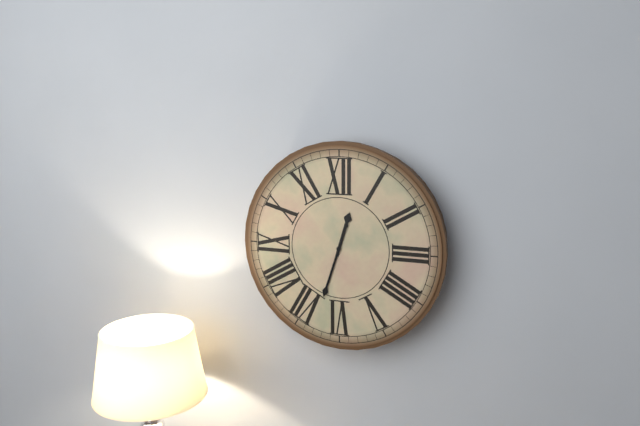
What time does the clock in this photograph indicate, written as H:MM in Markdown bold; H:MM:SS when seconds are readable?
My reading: **12:33**
